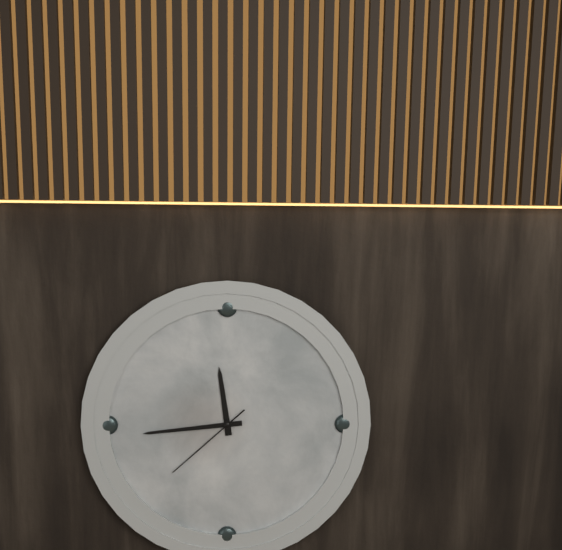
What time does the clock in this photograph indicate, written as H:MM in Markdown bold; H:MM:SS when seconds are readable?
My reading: **11:44:38**
